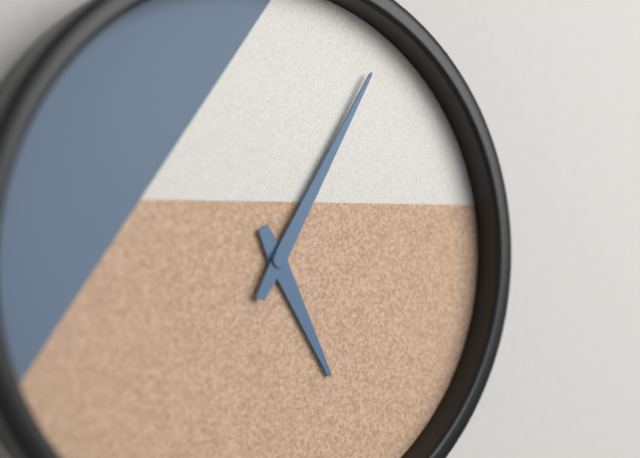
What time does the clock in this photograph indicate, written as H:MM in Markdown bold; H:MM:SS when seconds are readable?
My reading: **5:05**
